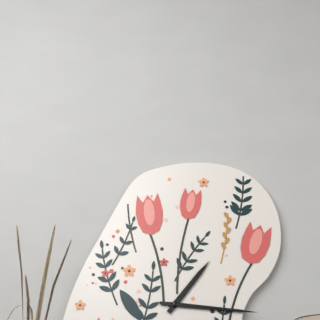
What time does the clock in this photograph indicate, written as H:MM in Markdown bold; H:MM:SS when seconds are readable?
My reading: **1:16**
